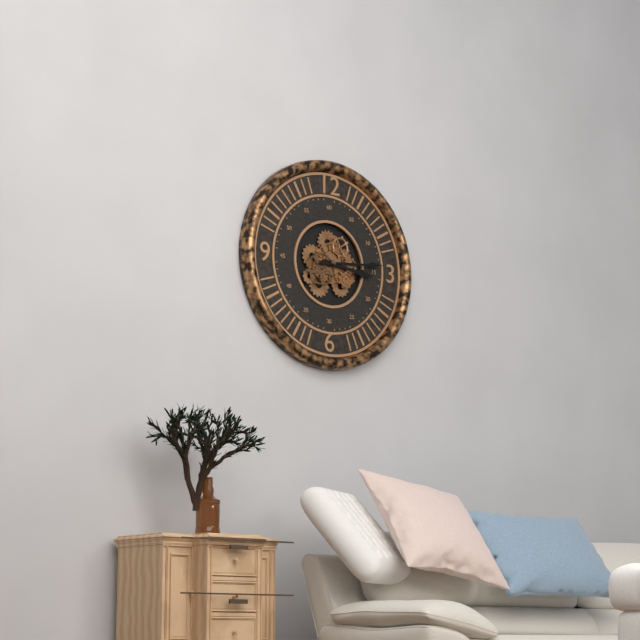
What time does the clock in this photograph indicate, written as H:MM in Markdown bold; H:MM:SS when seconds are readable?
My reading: **3:14**
